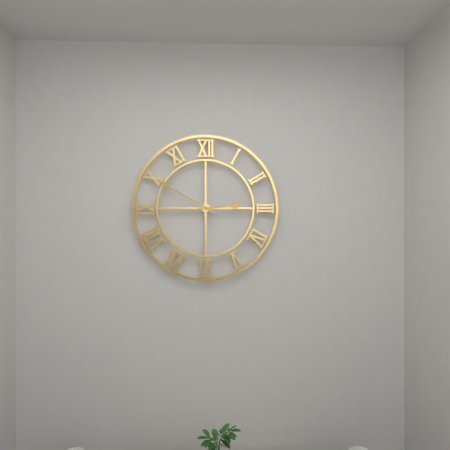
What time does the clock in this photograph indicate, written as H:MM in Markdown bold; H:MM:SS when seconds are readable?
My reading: **2:50**
